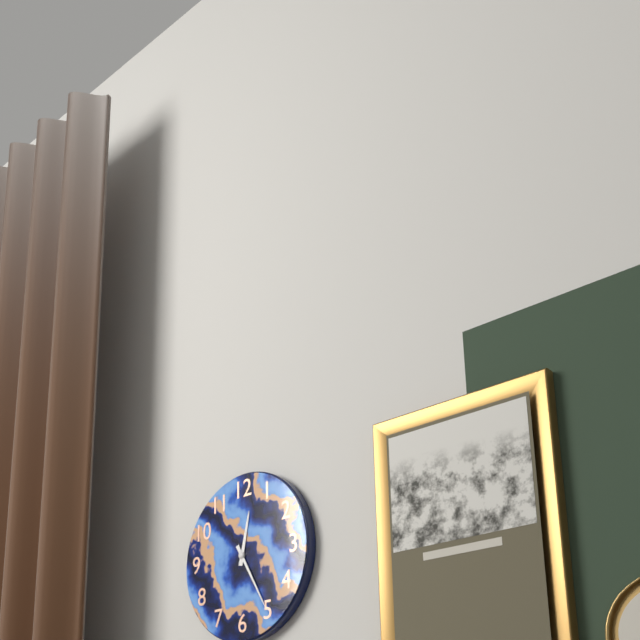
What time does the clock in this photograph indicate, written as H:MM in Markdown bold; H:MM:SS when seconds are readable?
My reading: **12:25**
